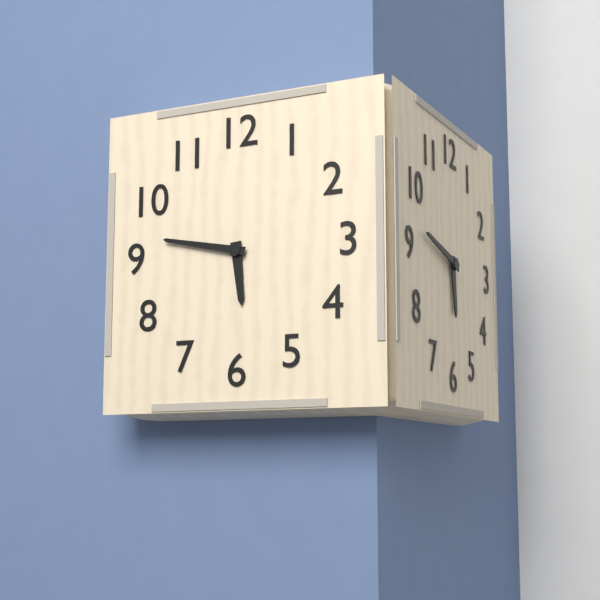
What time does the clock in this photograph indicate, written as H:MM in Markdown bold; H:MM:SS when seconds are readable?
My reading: **5:47**
